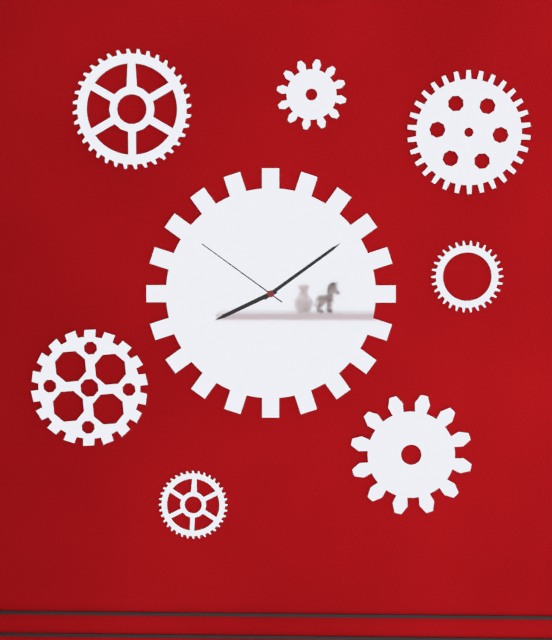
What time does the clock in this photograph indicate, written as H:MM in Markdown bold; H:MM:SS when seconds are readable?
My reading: **8:09:51**
